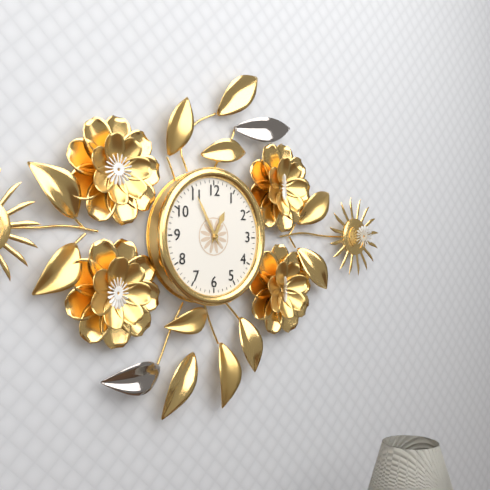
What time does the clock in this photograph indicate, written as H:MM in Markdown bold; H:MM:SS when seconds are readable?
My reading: **12:55**
